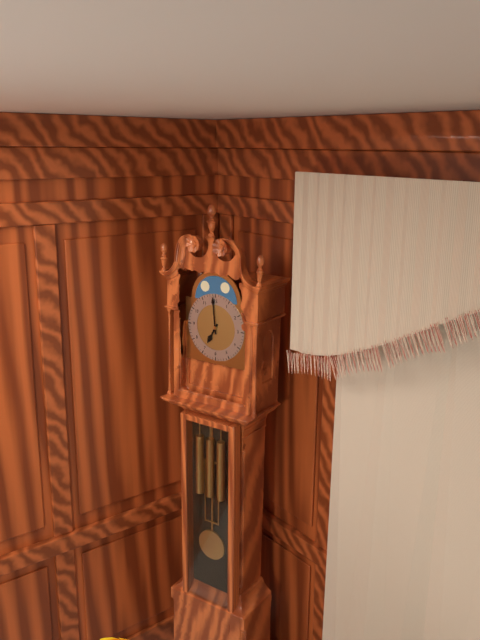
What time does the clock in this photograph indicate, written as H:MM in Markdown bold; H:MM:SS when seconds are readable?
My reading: **6:59**
